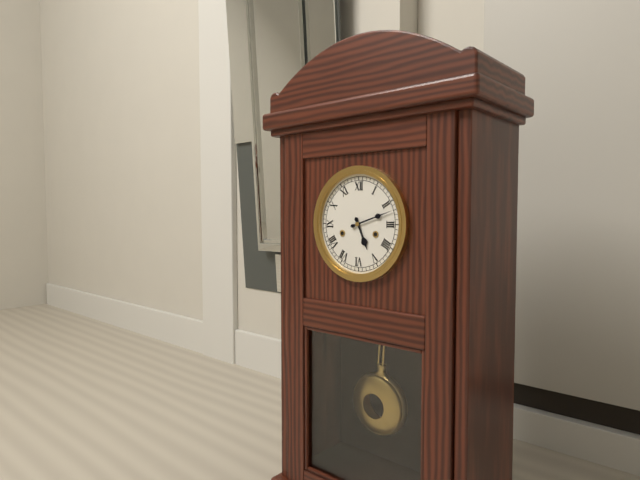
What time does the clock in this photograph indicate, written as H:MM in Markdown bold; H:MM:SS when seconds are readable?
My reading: **5:12**
